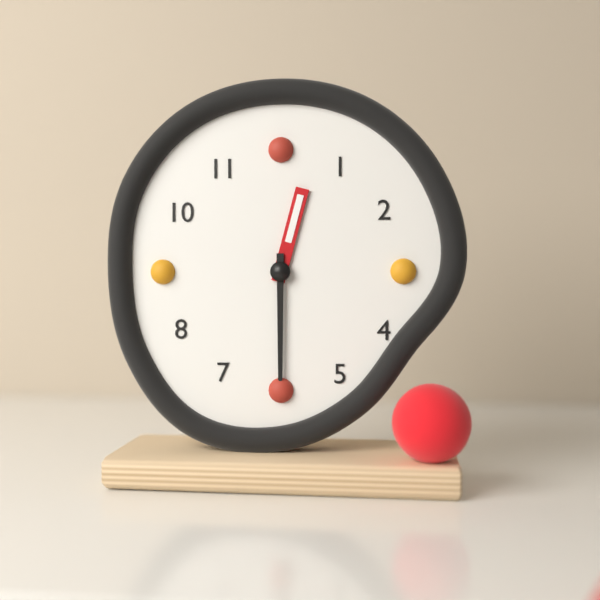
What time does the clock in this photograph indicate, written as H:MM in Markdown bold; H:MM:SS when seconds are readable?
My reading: **12:30**
